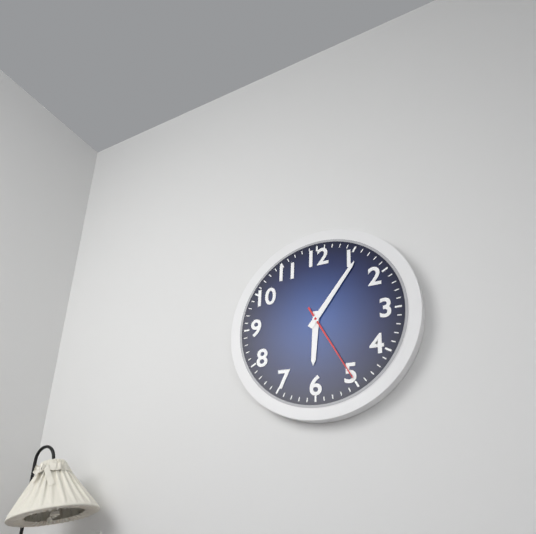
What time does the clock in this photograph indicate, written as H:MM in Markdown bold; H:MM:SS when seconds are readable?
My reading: **6:06:25**
